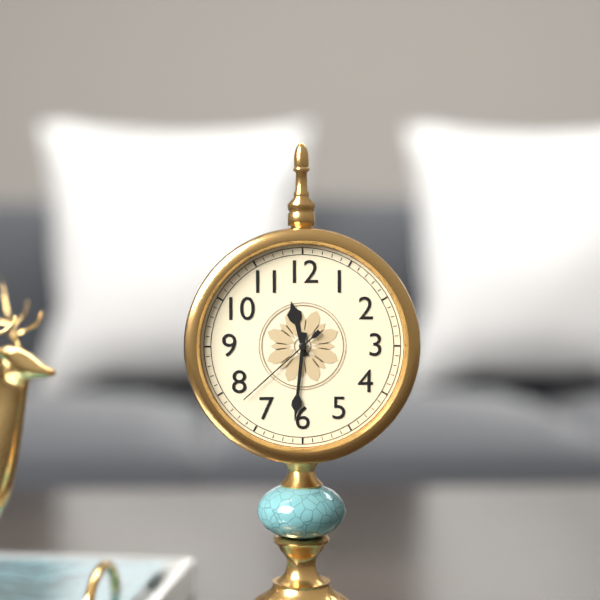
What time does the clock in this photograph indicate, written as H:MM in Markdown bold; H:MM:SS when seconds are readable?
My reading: **11:31:38**
